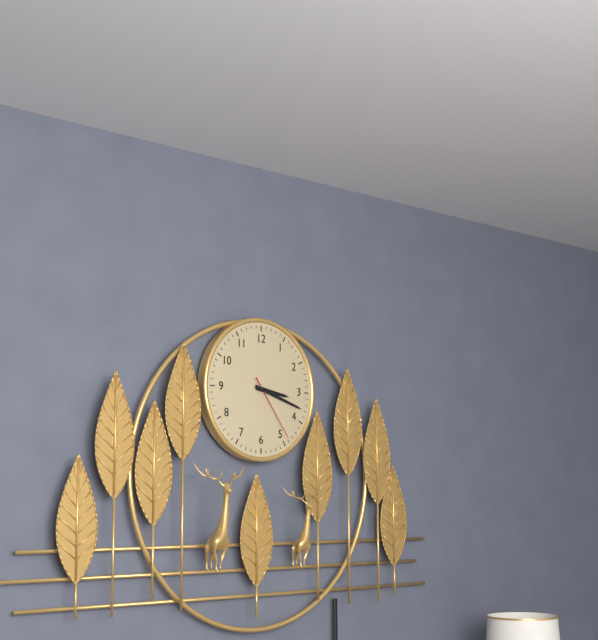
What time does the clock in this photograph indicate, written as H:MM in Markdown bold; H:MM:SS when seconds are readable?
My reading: **3:18:24**
